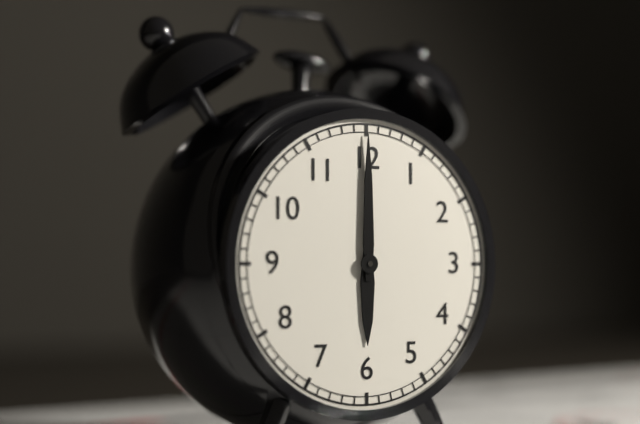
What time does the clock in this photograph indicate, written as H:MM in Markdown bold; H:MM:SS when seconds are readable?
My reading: **6:00**
